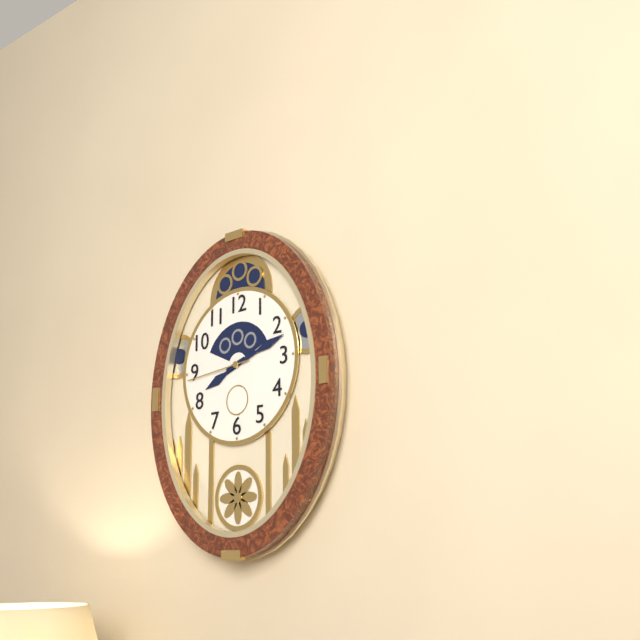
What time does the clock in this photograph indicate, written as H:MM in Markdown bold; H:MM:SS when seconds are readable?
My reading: **8:12:44**
